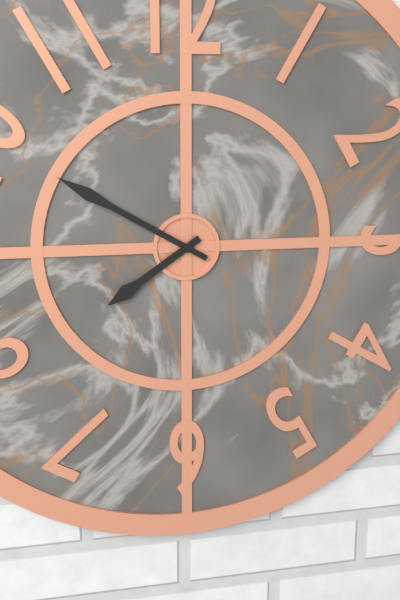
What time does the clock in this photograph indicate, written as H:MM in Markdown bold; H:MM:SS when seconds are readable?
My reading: **7:50**
